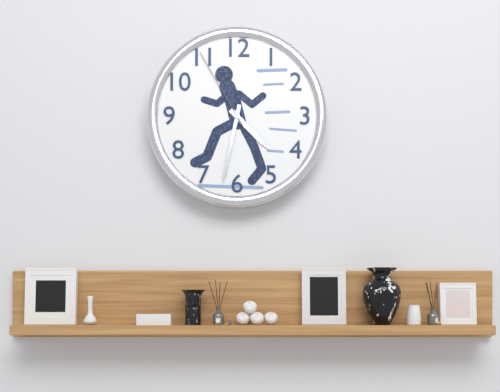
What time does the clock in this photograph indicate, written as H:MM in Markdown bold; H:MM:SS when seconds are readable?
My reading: **4:32:55**
